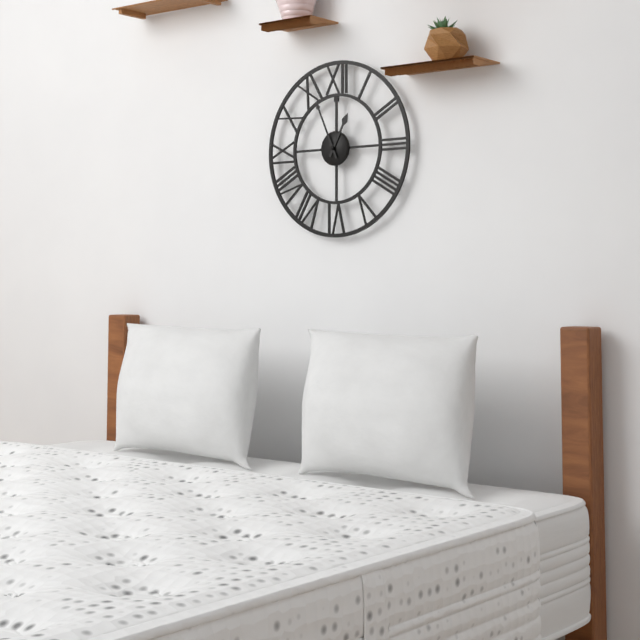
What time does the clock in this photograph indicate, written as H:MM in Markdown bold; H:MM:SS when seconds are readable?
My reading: **12:56**
